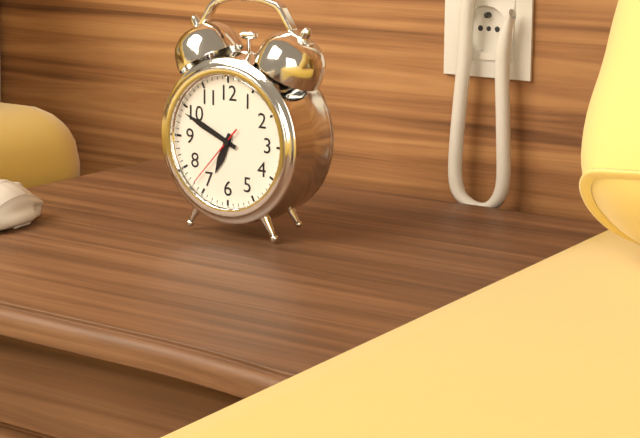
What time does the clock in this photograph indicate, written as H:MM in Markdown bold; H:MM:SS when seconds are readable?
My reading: **6:49:37**
